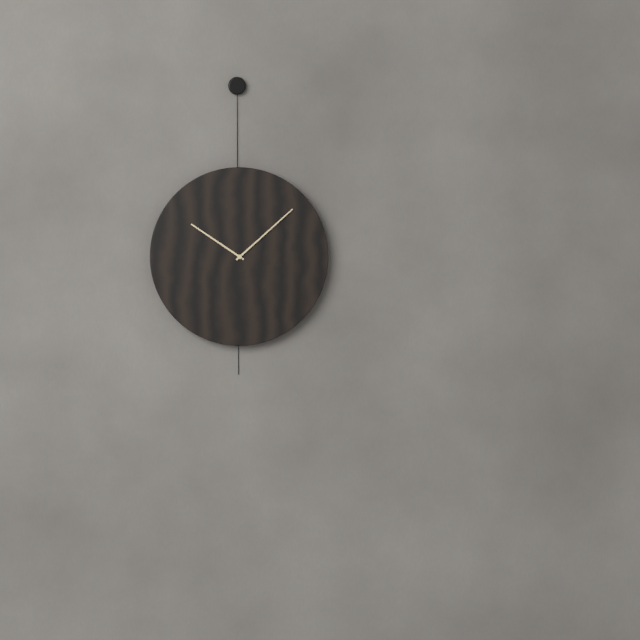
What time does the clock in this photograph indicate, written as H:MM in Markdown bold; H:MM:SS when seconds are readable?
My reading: **10:08**
